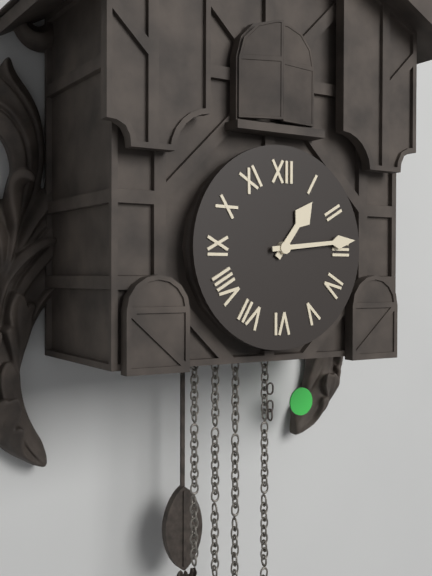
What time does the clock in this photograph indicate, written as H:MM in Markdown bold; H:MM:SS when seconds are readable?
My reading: **1:14**
